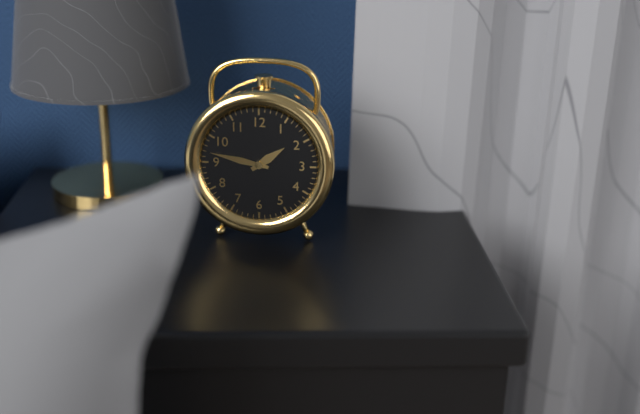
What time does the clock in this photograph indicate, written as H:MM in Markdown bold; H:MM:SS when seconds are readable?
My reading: **1:47**
